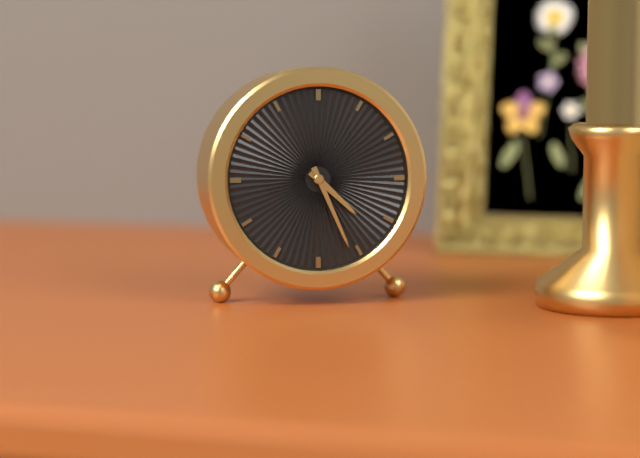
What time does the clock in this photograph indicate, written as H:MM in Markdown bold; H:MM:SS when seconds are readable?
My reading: **4:26**
